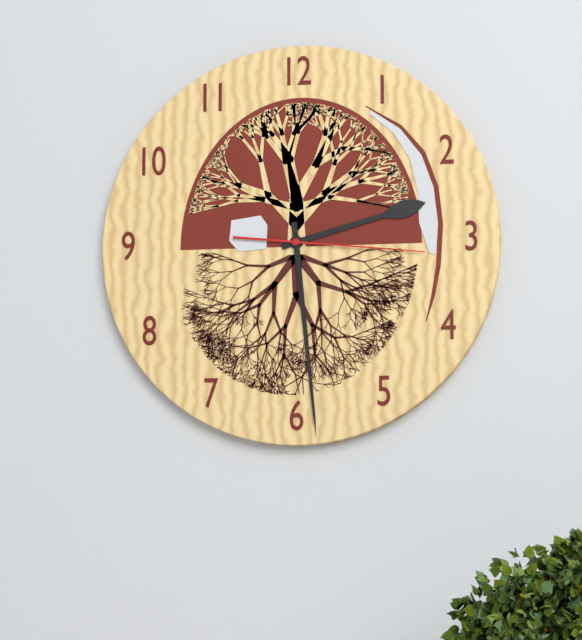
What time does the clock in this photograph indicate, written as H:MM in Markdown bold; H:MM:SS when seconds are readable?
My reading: **2:29:16**
